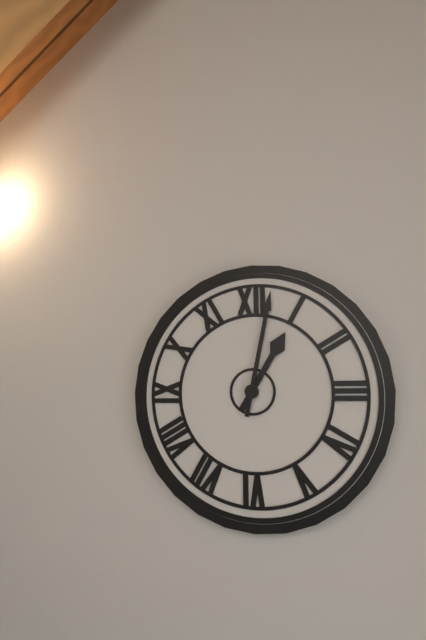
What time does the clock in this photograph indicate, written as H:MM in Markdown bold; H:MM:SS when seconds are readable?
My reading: **1:02**
